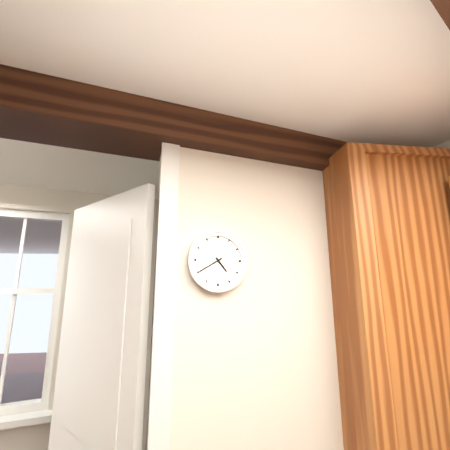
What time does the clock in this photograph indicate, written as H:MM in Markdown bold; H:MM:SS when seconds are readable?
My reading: **4:40**
